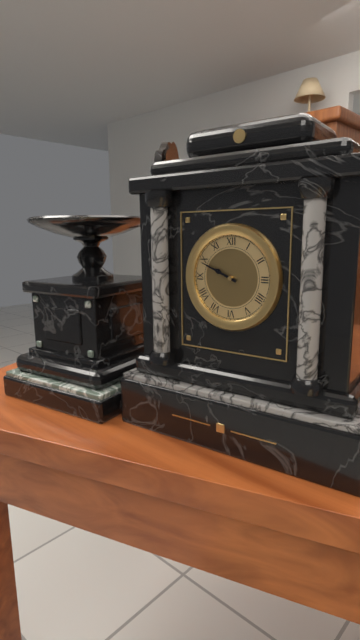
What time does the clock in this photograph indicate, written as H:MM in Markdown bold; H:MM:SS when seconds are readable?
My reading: **9:49**
